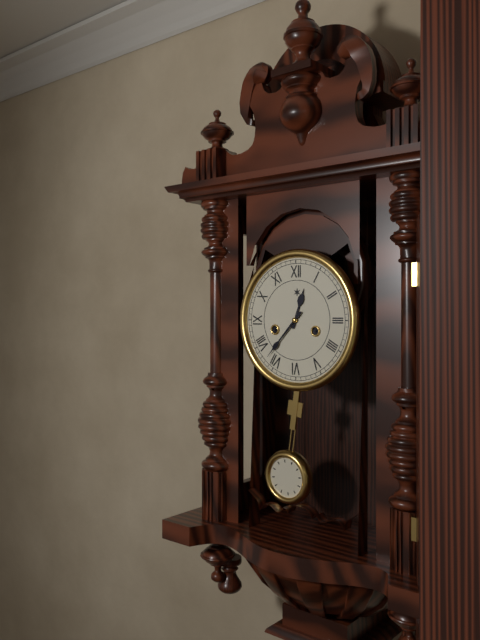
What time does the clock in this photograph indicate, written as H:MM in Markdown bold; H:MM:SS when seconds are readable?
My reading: **12:37**
